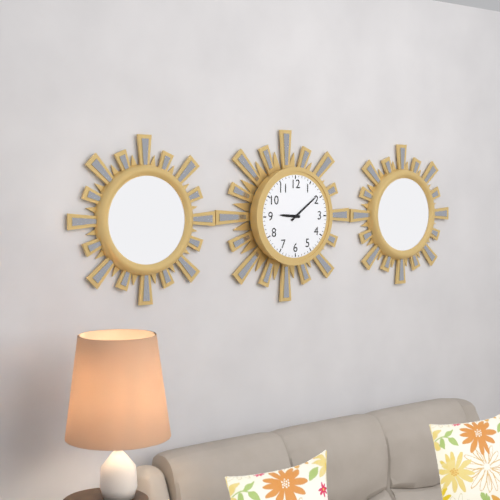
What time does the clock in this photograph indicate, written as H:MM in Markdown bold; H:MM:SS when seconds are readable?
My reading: **9:09**
